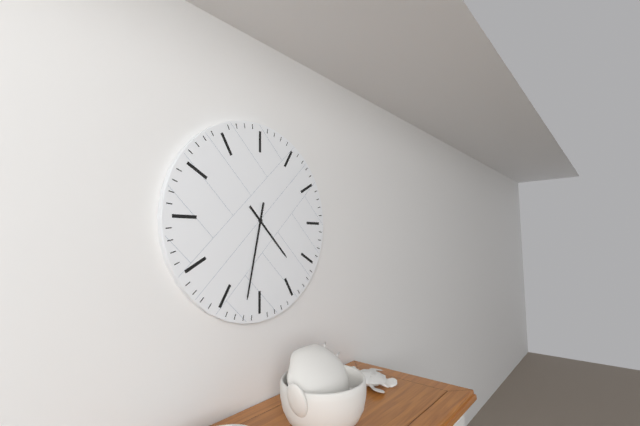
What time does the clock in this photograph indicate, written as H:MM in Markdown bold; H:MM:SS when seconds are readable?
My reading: **4:32**
